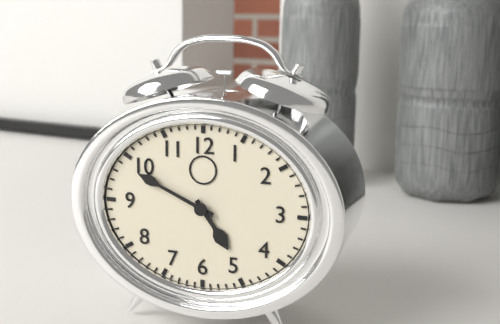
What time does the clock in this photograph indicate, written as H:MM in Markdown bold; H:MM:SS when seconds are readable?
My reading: **4:49**
